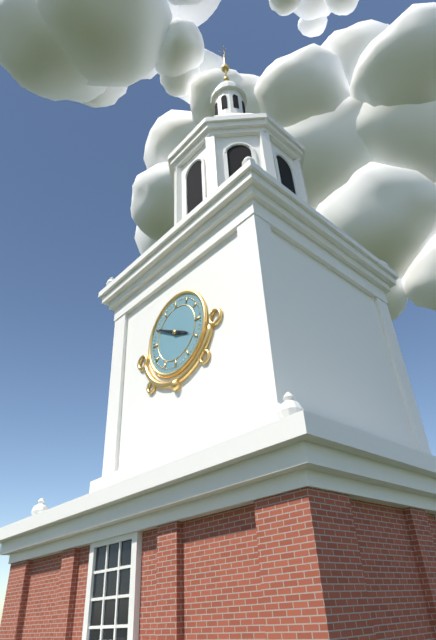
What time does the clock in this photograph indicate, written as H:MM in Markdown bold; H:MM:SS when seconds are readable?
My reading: **3:50**
